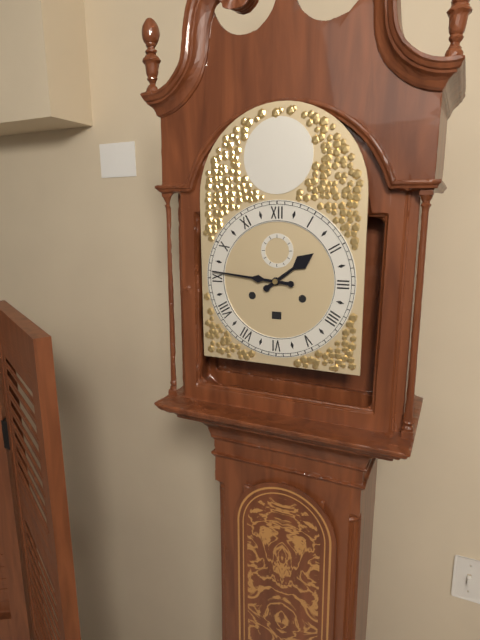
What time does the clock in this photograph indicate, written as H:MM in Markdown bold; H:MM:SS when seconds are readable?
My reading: **1:46**
